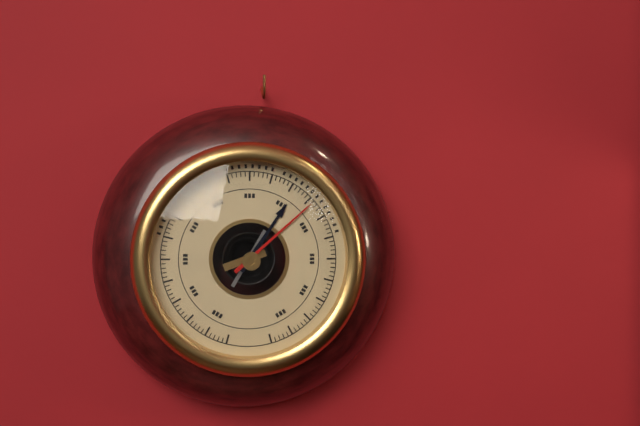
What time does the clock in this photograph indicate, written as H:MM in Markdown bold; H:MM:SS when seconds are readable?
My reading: **1:08**
